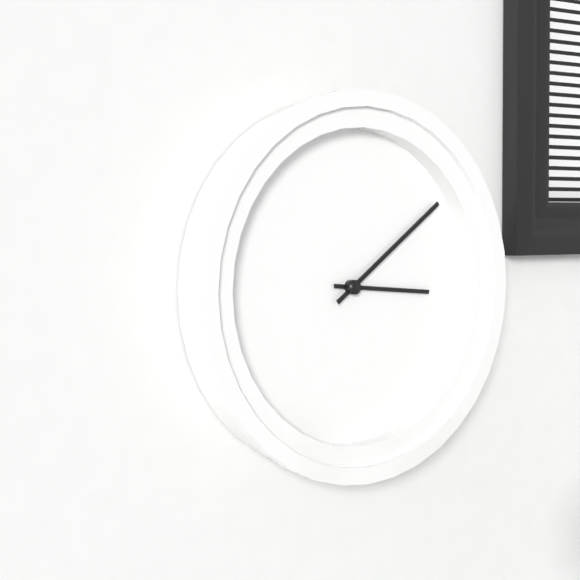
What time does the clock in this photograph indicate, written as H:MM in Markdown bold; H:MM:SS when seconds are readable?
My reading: **3:09**
